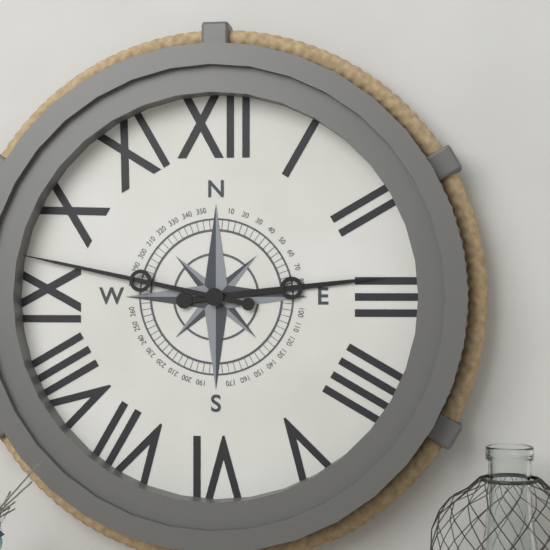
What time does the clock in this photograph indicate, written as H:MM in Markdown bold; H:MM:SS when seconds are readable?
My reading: **2:47**
